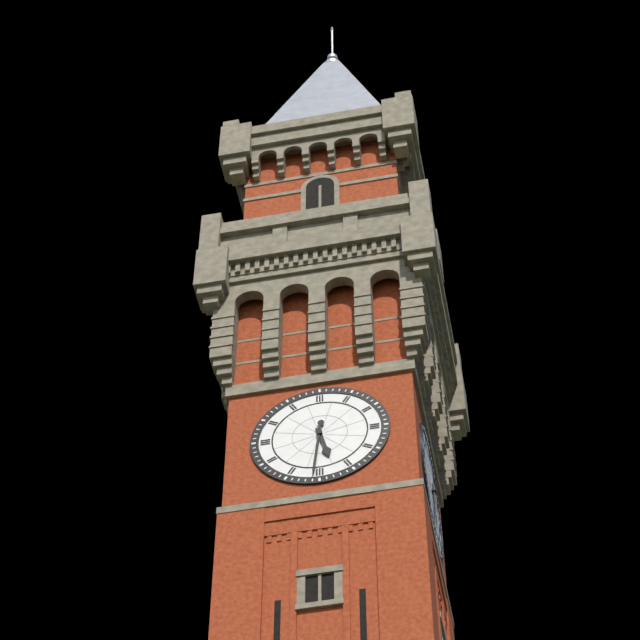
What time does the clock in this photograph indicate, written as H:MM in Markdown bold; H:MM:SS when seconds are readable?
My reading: **5:31**
